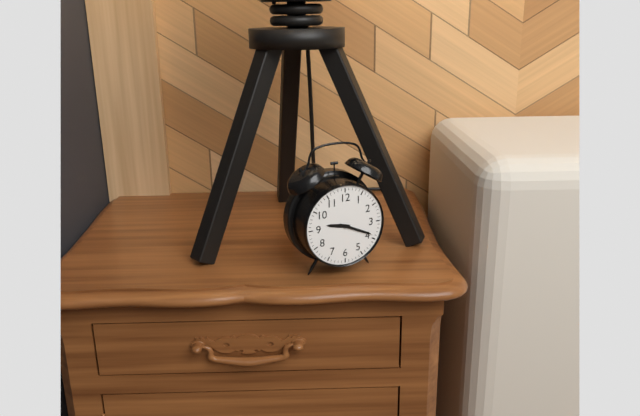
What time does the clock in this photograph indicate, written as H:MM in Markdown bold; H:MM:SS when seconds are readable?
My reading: **9:19**
